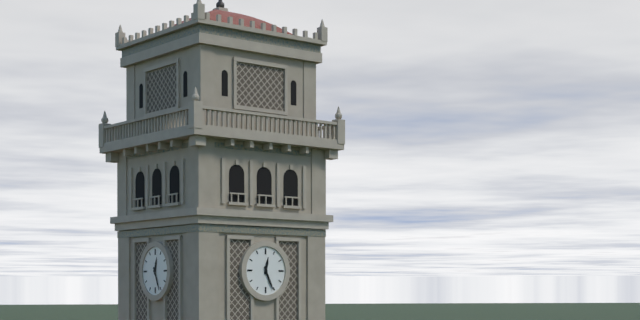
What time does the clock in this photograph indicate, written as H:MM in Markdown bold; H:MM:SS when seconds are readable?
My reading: **12:26**
